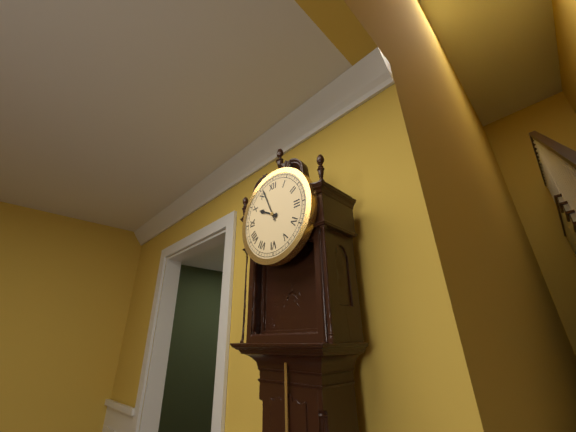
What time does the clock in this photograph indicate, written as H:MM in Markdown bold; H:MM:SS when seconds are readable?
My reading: **9:56**
